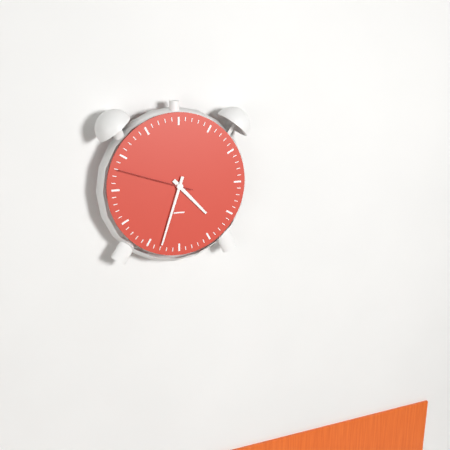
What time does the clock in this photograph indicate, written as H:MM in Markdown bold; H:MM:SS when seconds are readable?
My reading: **4:33:48**
